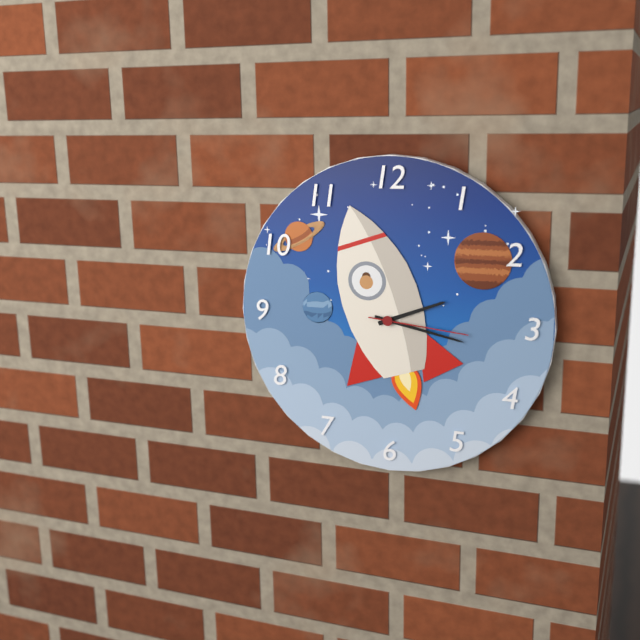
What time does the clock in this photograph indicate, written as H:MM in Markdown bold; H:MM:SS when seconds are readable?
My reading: **2:17:16**
